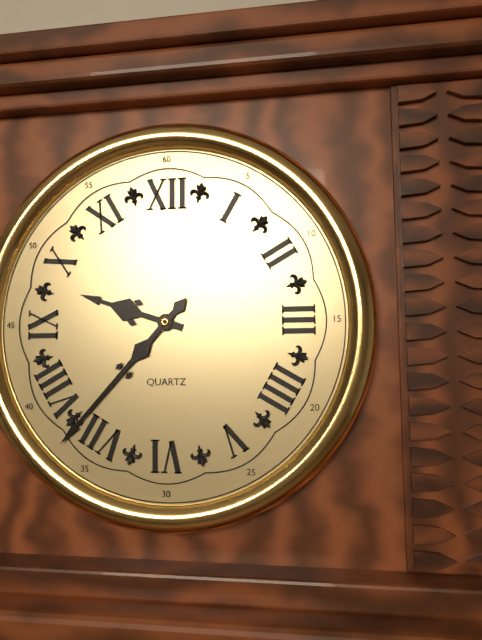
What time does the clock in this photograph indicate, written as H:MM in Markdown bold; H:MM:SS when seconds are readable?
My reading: **9:37**
